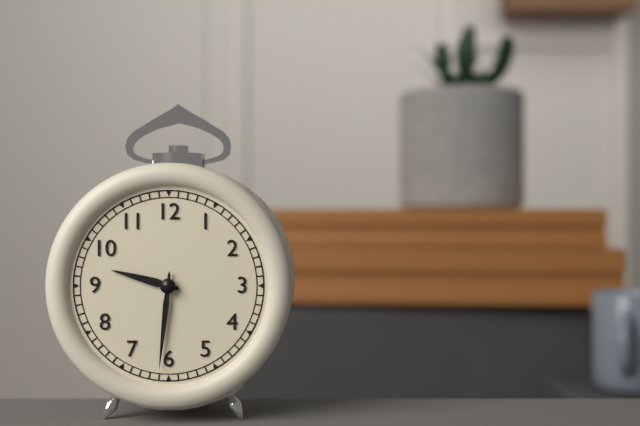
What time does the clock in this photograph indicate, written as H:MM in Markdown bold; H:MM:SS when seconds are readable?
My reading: **9:31**
